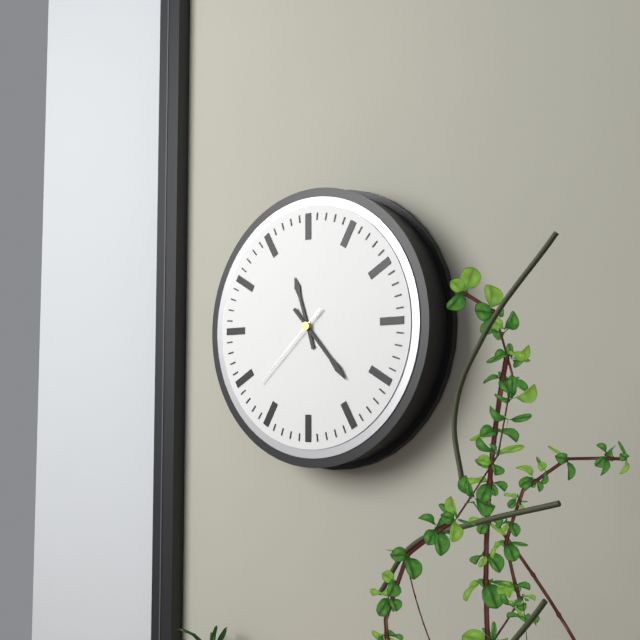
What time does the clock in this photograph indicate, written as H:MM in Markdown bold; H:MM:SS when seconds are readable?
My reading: **11:23:38**
